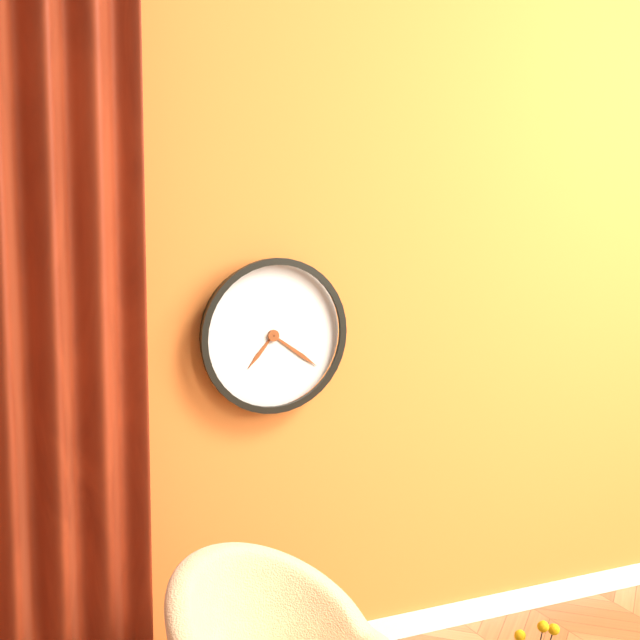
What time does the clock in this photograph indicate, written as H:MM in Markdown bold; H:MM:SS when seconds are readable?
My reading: **7:21**
